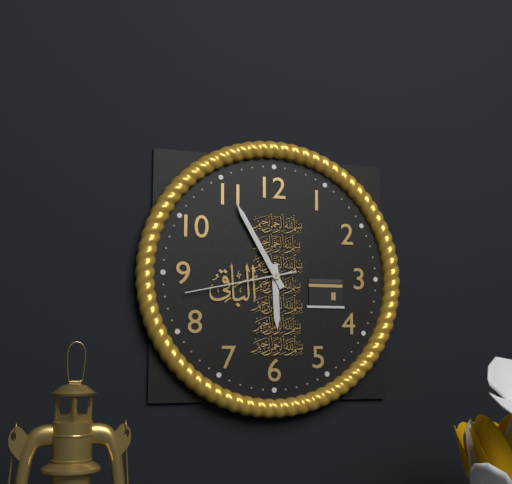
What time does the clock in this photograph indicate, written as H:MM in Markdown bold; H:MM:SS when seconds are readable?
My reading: **5:55:43**
